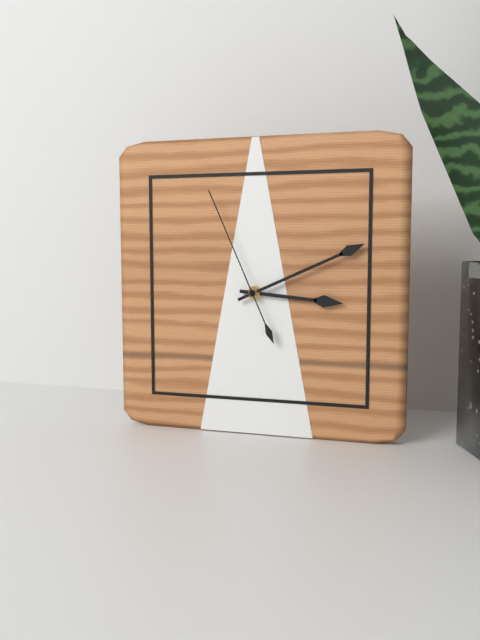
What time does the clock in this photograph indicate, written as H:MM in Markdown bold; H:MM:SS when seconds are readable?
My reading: **3:11:56**
